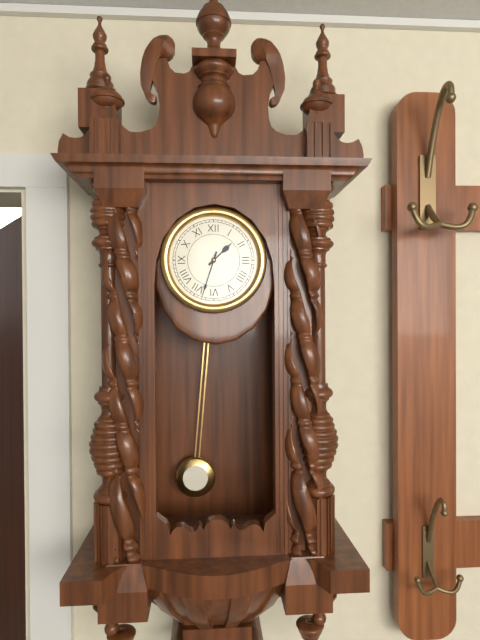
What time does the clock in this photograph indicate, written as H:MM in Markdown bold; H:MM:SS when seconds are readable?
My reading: **1:33**
